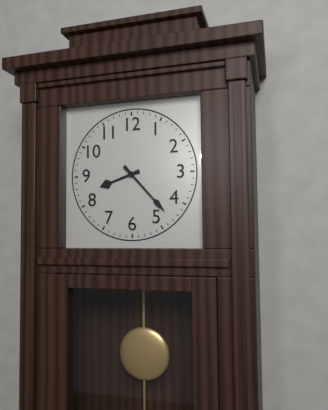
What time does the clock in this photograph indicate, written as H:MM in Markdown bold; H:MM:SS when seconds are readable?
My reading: **8:23**
